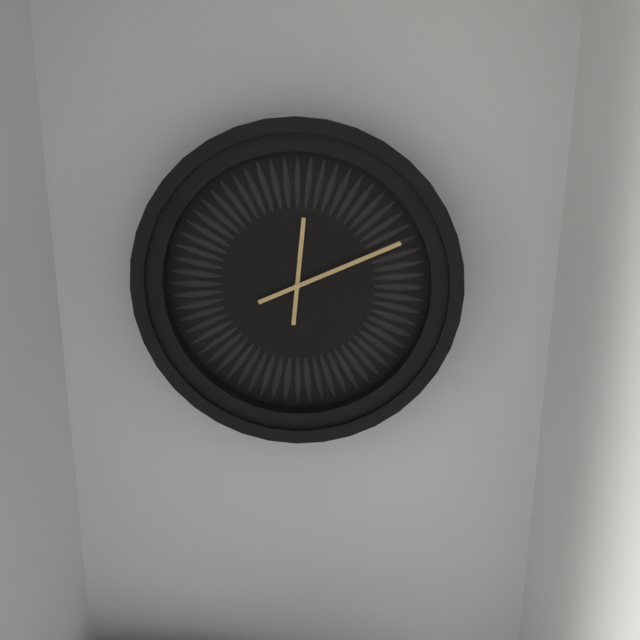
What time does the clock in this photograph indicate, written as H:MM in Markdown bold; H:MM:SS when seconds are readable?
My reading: **12:11**
